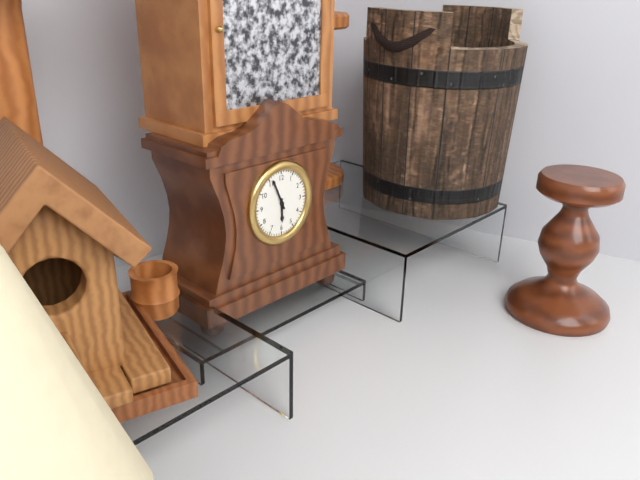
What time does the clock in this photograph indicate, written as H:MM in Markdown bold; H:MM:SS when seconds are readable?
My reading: **5:56**
